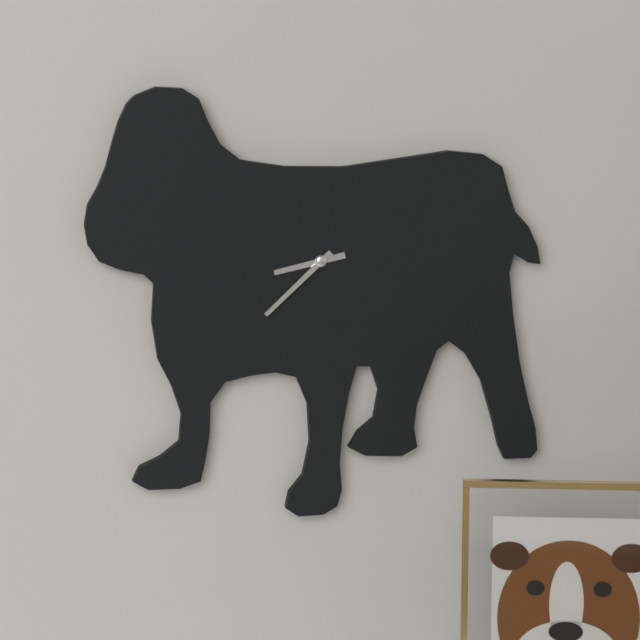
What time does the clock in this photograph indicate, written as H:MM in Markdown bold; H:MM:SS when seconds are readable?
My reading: **8:38**
